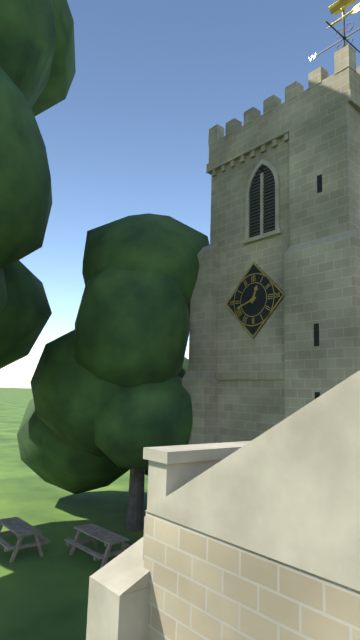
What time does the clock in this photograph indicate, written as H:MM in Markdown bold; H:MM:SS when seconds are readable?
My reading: **12:42**
